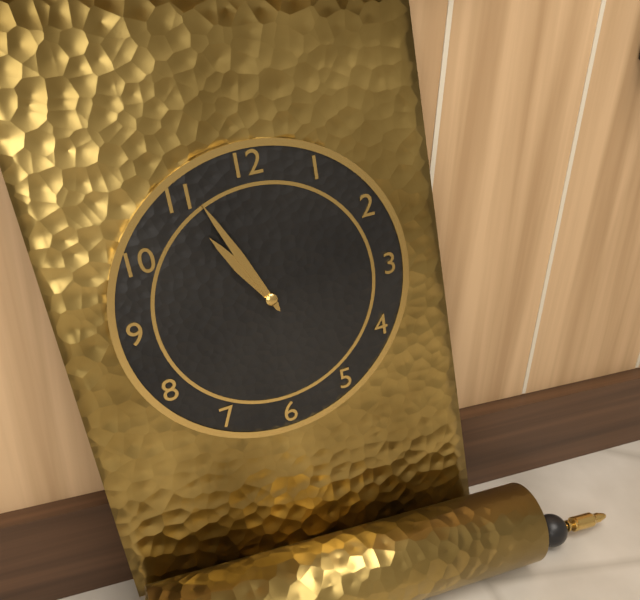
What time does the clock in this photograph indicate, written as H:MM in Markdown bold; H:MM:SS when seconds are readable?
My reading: **10:56**
